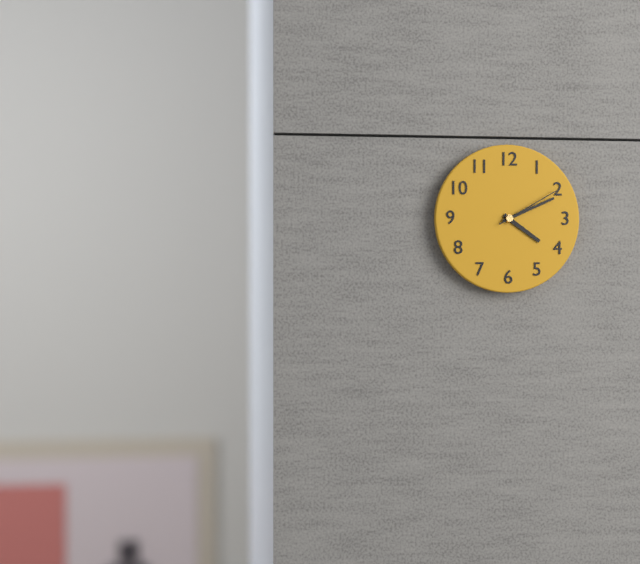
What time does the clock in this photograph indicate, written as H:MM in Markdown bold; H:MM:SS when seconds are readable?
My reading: **4:11:10**
